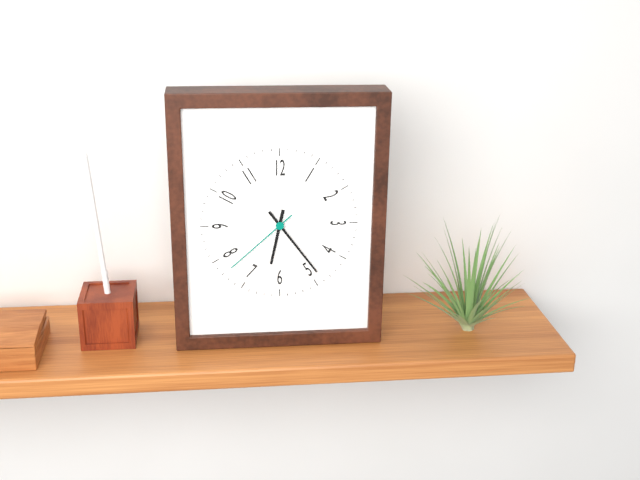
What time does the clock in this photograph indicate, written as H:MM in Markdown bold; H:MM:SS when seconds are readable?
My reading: **6:24:38**
